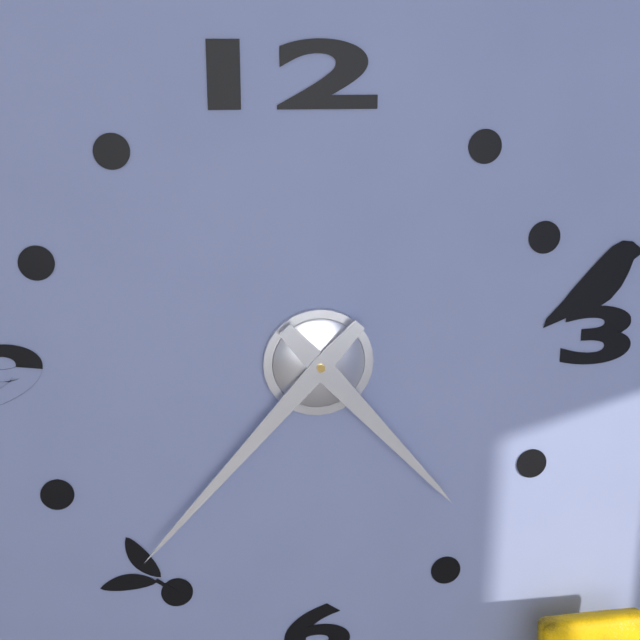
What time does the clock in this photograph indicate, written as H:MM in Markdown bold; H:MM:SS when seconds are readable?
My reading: **4:37**
